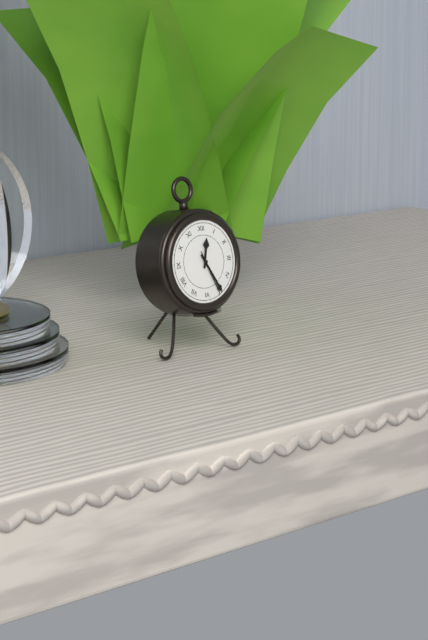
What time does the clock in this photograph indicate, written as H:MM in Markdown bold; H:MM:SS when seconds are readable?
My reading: **12:25**
